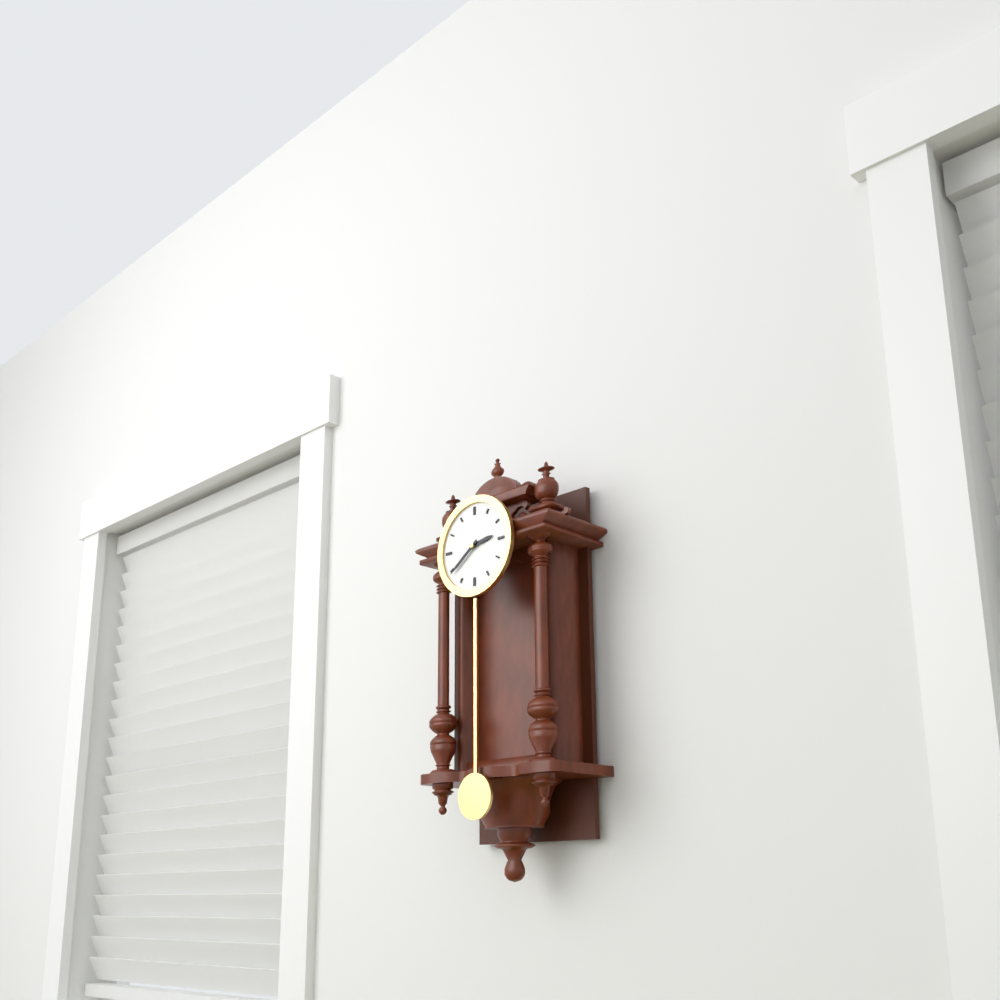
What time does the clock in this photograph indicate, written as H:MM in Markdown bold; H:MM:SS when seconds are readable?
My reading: **2:39**
